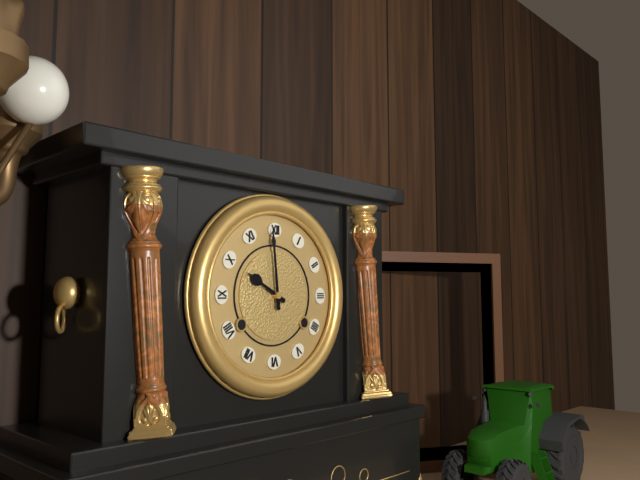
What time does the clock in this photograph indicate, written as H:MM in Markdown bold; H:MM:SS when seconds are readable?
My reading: **9:59**
